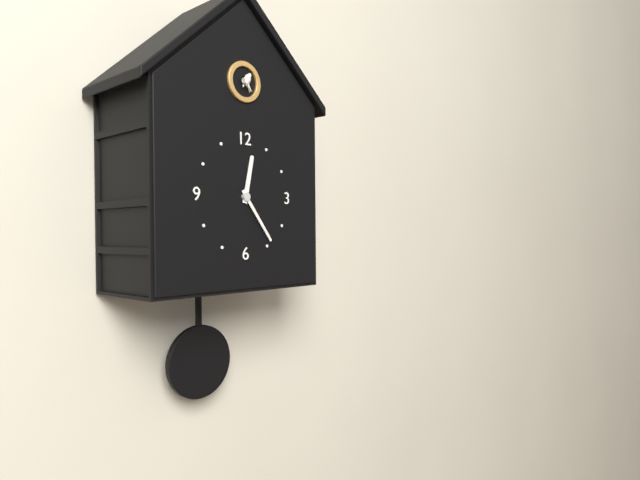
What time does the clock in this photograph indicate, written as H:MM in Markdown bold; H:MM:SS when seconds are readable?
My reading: **12:24**
